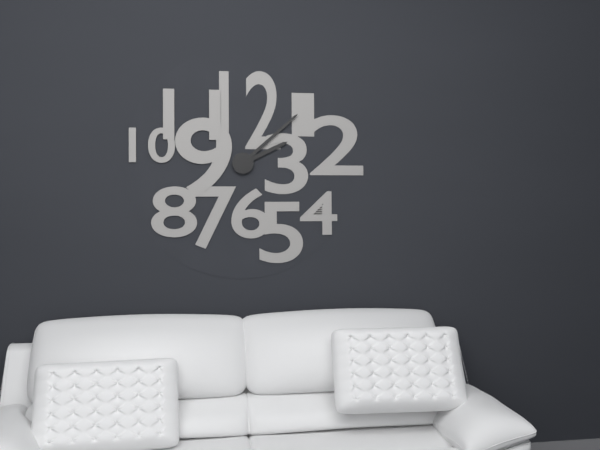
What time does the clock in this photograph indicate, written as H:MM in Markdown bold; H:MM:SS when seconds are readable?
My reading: **2:08**
